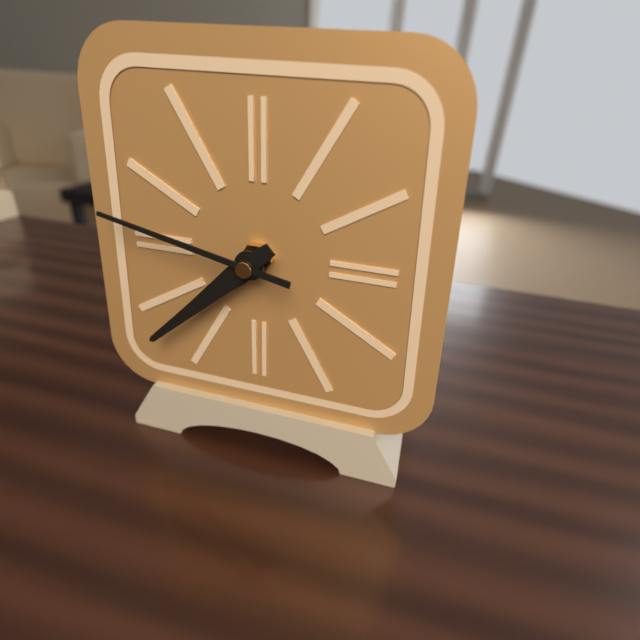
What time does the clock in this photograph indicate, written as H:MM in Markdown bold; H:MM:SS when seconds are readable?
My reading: **7:38:47**
